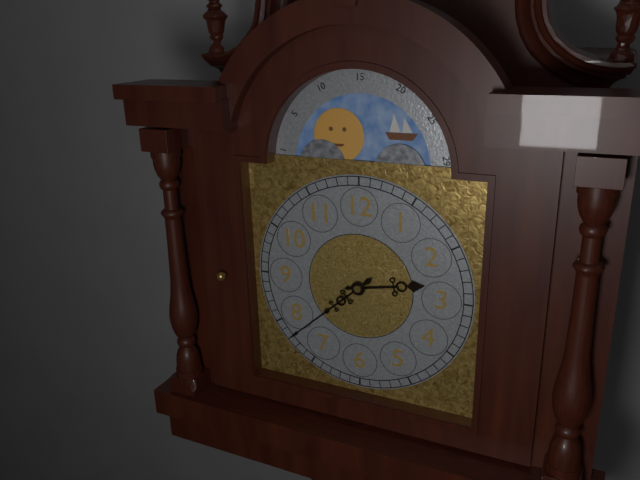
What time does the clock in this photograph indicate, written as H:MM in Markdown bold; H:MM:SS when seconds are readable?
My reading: **2:38**
